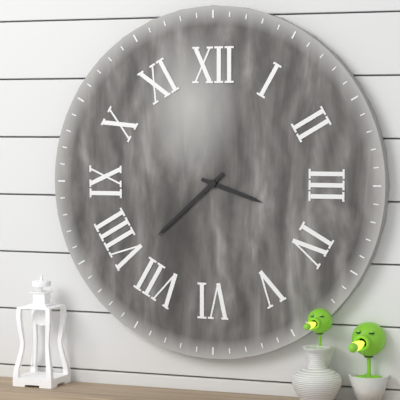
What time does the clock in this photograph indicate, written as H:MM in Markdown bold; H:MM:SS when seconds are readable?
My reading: **3:38**
